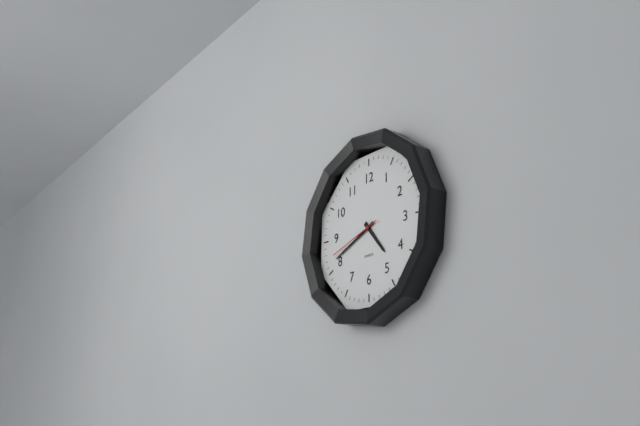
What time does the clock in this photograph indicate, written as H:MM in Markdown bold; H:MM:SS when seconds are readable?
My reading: **4:41:42**
